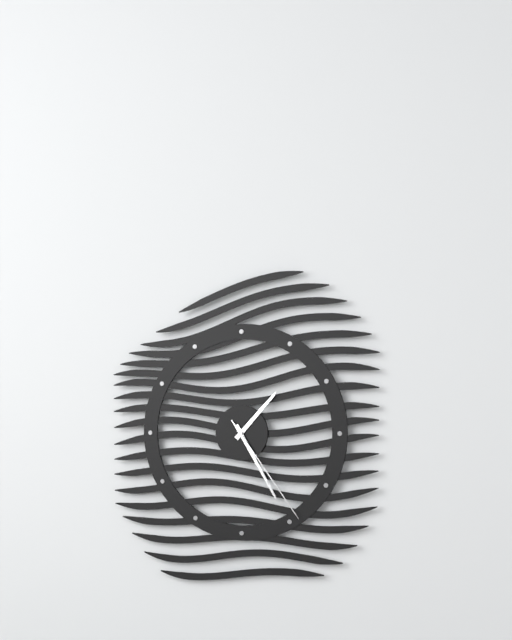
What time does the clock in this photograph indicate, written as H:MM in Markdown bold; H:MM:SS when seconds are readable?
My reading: **1:25:24**
